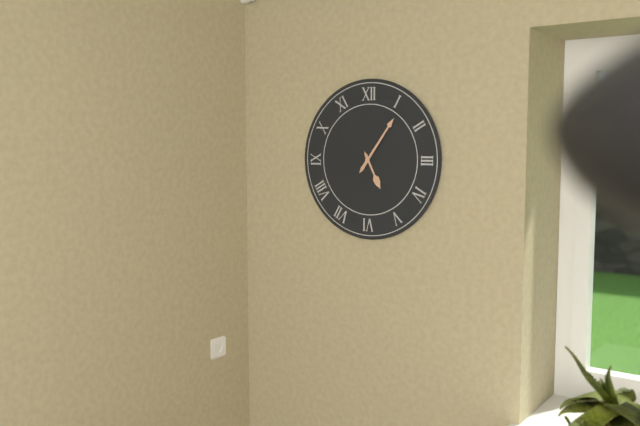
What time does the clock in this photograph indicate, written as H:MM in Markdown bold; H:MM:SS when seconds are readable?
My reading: **5:06**
